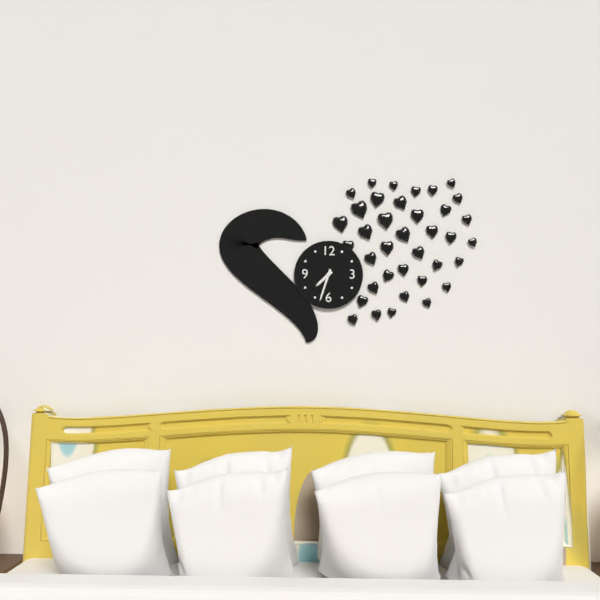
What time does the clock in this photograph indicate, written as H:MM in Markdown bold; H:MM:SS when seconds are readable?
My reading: **7:33**
